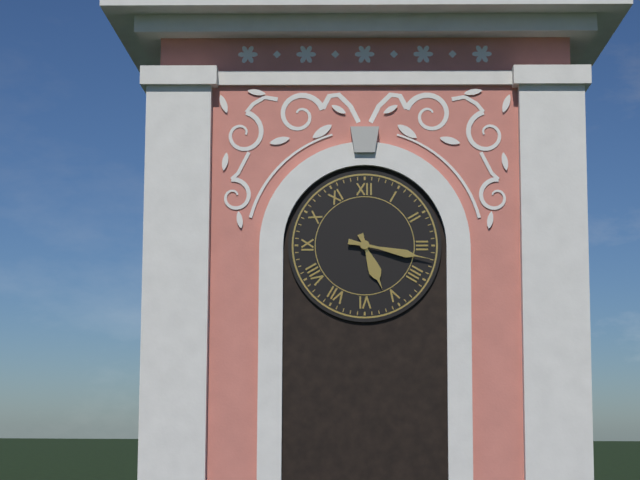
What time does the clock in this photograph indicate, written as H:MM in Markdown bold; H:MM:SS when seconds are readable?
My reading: **5:17**
